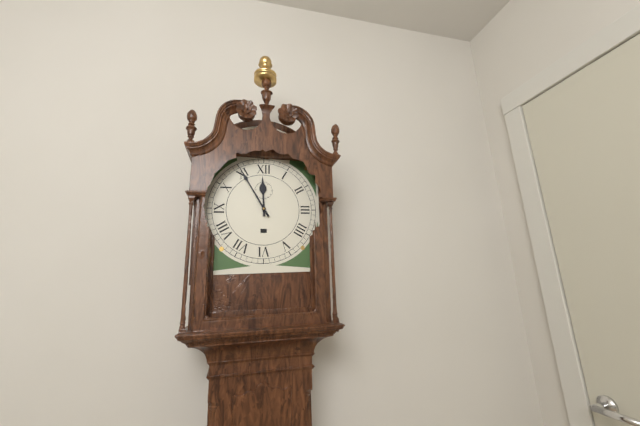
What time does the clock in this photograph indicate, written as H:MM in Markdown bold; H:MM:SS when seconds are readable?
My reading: **11:55**
